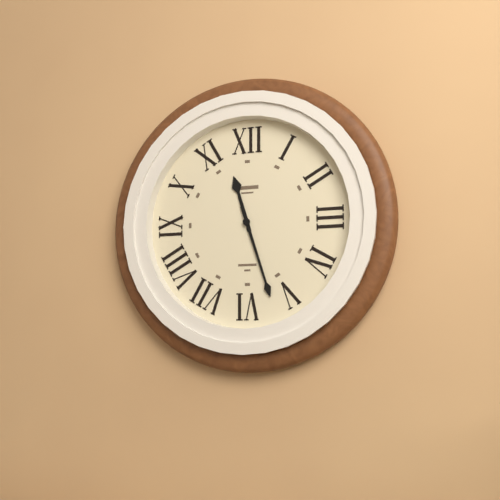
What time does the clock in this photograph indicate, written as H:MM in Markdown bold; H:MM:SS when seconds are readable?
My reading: **11:27**
